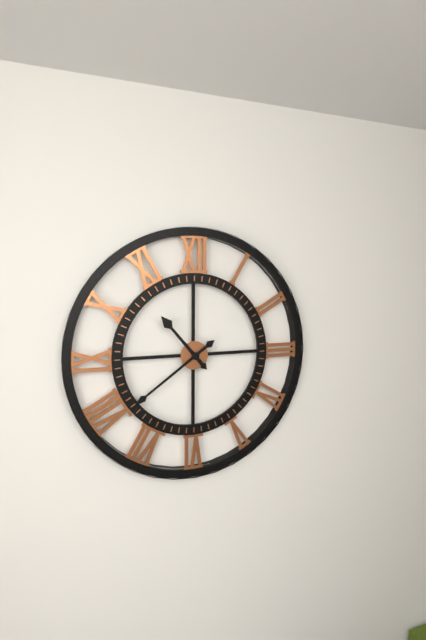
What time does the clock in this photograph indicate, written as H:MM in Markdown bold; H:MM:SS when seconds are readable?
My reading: **10:39**
